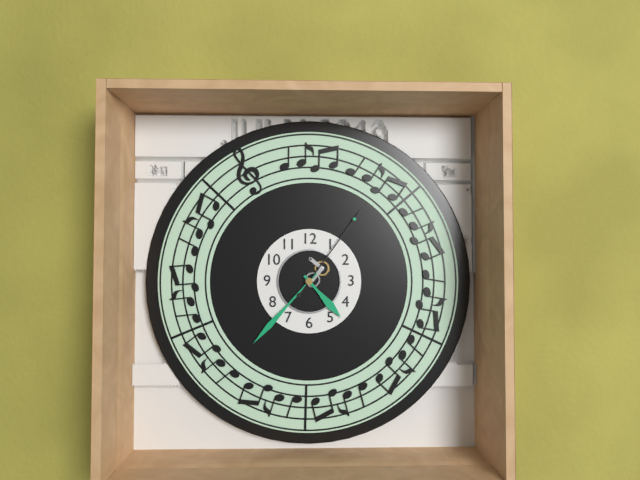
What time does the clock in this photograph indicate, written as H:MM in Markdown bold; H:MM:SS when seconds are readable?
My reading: **4:37:06**
